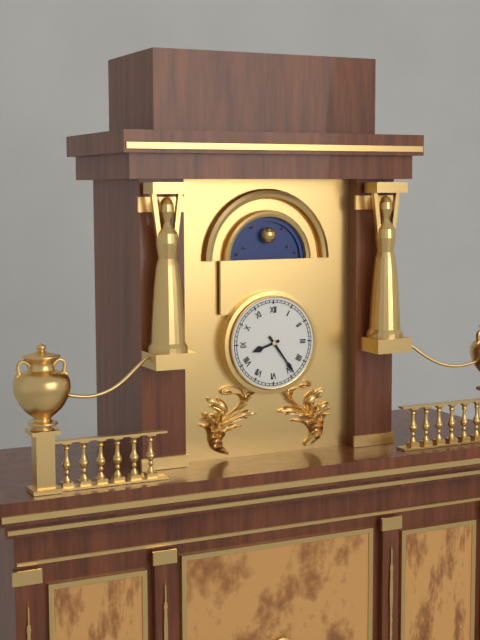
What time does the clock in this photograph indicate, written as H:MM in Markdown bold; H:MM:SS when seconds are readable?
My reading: **8:24**
